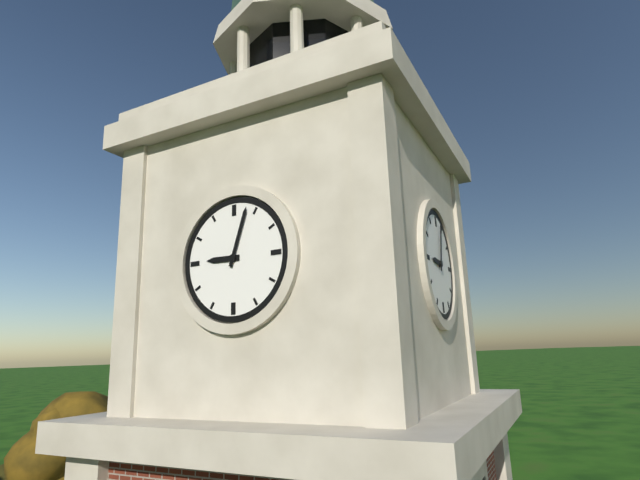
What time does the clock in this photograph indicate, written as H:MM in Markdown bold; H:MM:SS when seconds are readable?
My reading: **9:03**
